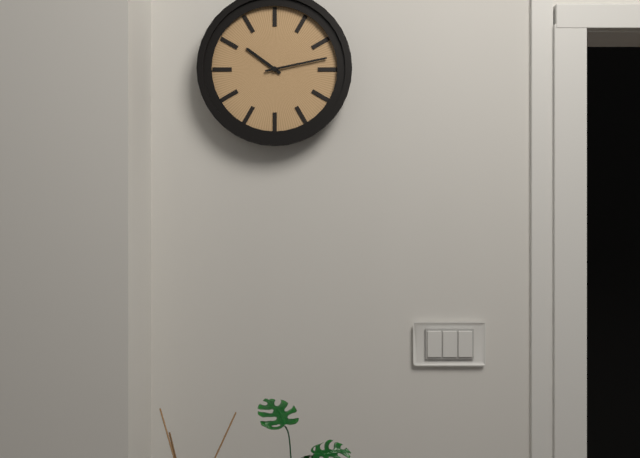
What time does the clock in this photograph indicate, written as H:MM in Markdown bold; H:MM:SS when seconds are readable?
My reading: **10:13**
